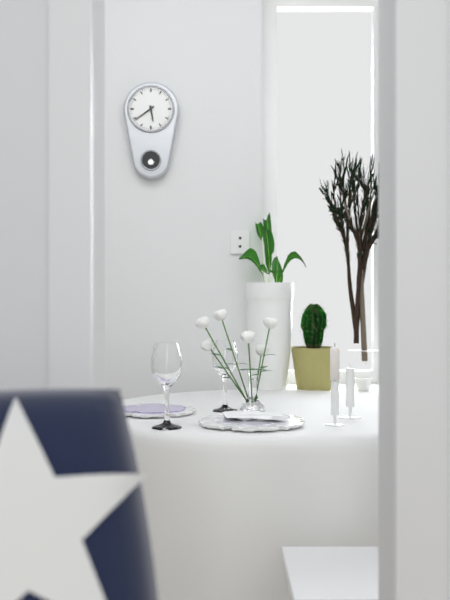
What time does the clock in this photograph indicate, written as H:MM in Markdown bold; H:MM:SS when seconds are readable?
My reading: **5:39**
